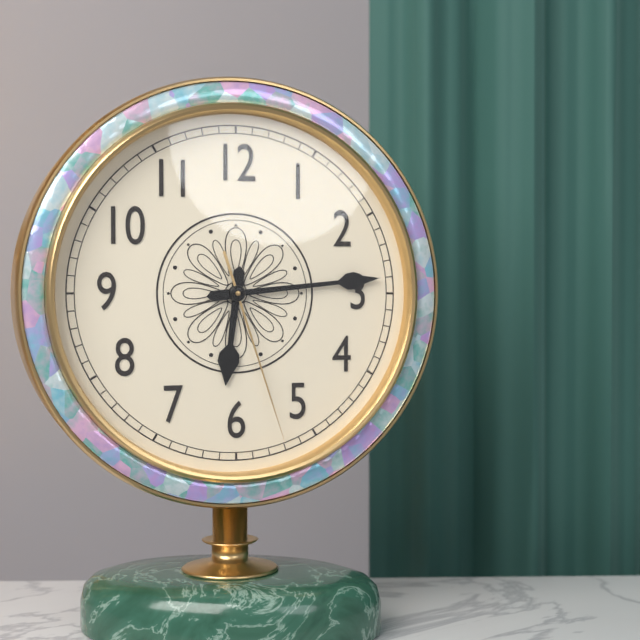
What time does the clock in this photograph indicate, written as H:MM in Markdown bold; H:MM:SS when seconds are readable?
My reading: **6:14:27**
